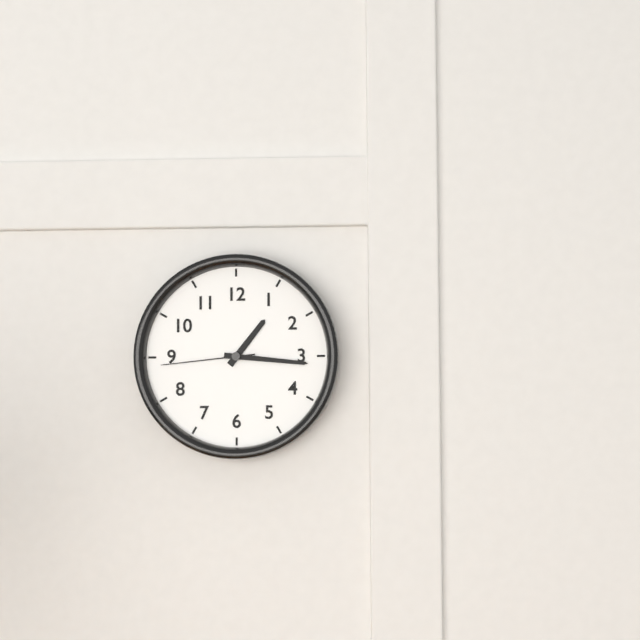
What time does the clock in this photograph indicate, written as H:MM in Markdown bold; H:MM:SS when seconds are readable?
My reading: **1:16:44**
